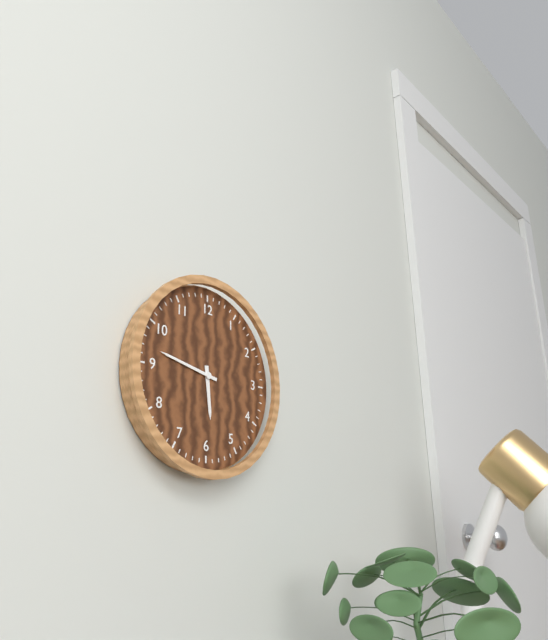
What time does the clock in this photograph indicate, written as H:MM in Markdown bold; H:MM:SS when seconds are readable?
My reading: **5:47**
